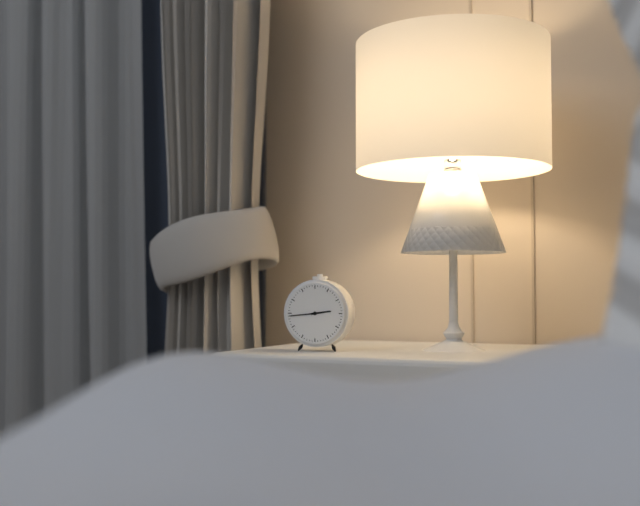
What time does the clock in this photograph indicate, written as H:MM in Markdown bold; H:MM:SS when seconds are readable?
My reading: **2:44**
